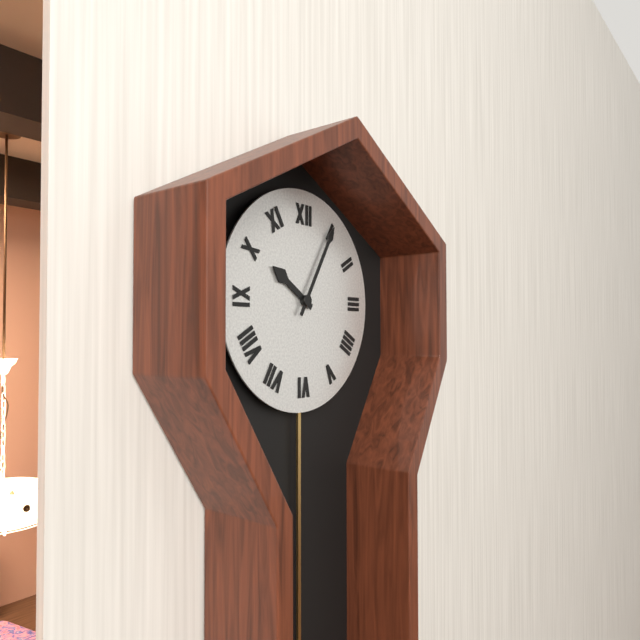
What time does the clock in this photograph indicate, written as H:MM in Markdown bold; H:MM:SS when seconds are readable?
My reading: **10:05**
